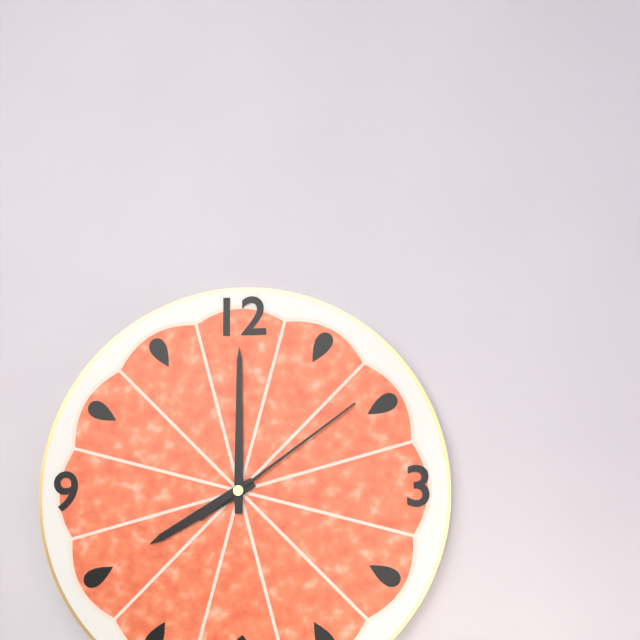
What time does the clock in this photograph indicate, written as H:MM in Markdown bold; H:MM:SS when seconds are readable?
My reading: **8:00:09**
